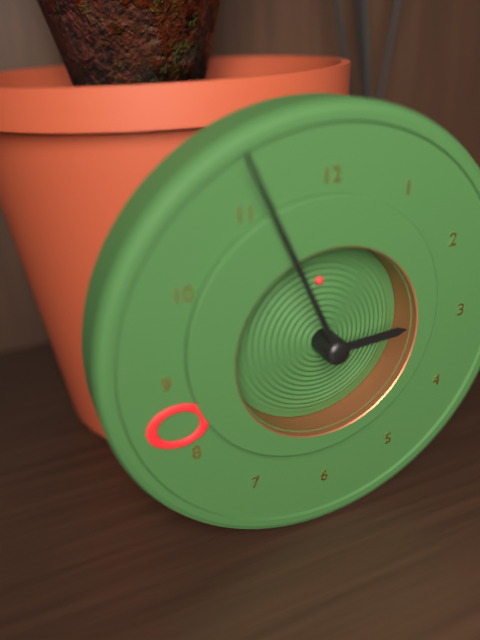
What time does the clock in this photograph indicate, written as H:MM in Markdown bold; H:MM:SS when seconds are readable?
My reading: **2:56:00**
